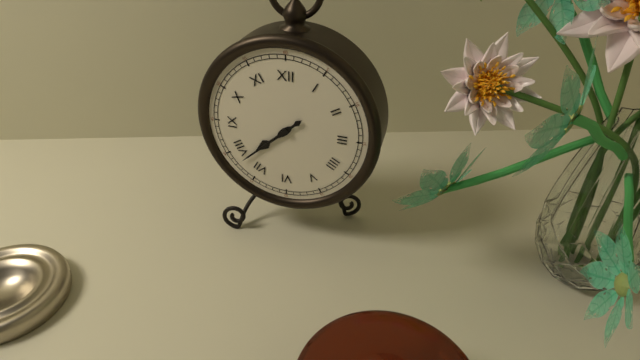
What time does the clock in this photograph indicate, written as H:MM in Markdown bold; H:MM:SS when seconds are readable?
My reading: **7:38**
